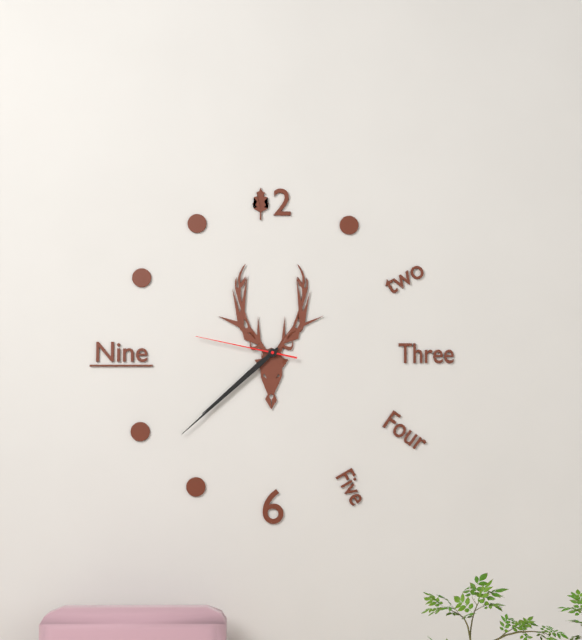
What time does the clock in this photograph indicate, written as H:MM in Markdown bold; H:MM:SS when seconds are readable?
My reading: **7:38:47**
